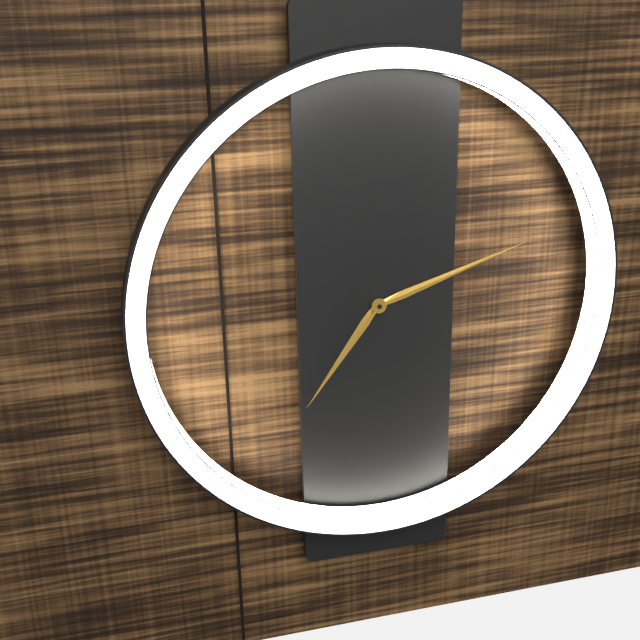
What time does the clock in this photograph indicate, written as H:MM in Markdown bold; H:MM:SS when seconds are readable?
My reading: **7:12**
